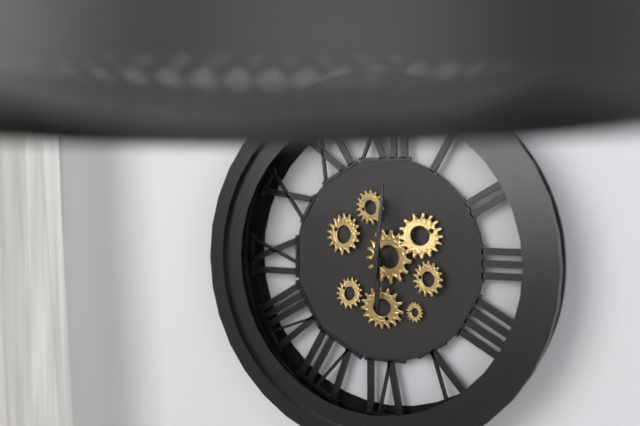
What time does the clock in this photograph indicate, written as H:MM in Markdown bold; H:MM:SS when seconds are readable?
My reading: **6:01**
